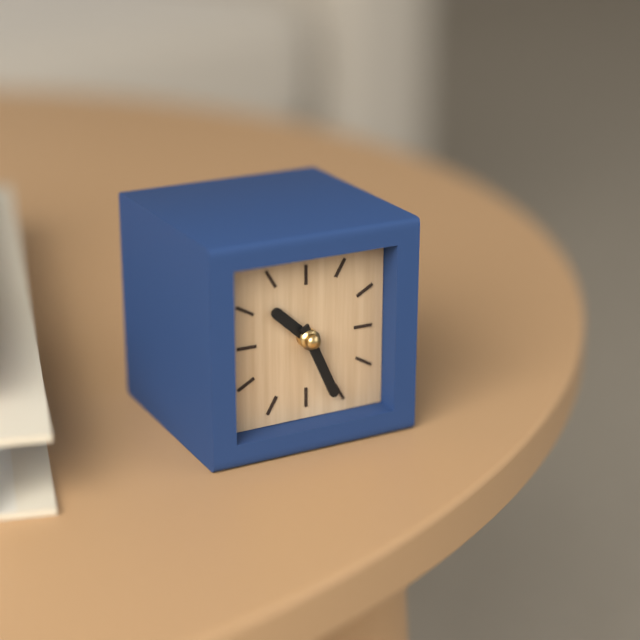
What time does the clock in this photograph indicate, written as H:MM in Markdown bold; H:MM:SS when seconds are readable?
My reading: **10:26**
